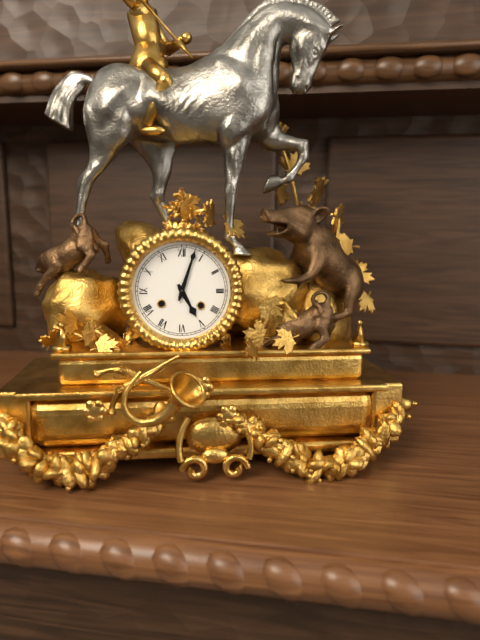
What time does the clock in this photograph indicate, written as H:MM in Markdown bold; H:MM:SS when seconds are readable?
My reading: **5:03**
